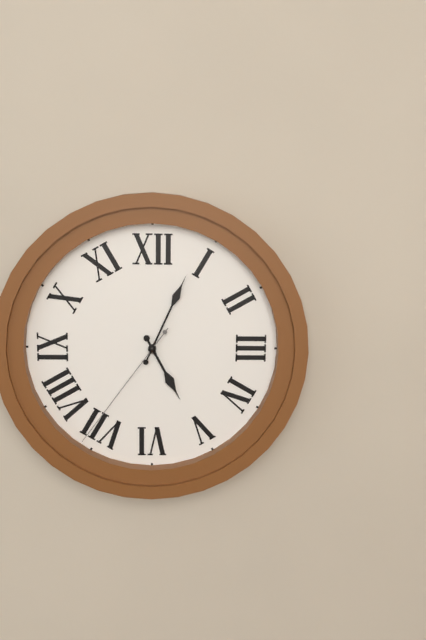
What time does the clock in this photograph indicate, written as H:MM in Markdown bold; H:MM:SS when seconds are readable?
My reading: **5:04:36**
